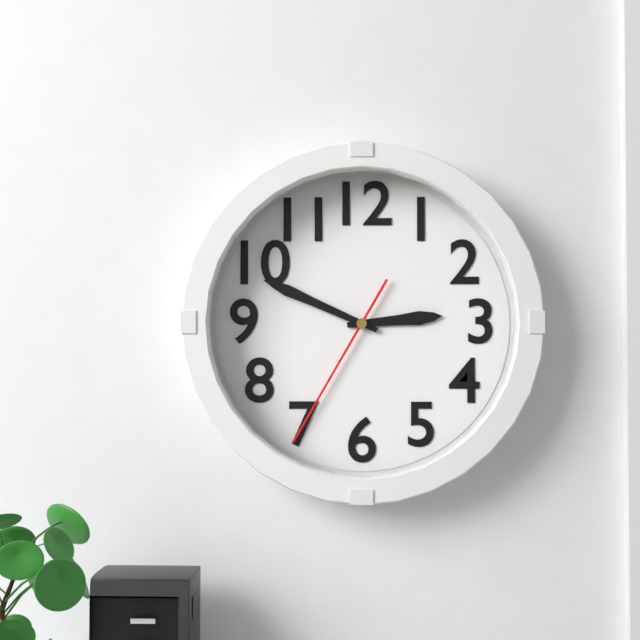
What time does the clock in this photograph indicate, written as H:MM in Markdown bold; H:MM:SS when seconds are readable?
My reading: **2:49:35**
